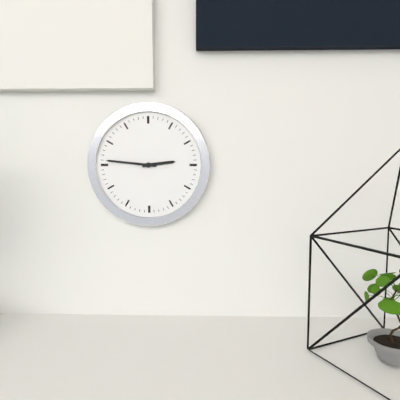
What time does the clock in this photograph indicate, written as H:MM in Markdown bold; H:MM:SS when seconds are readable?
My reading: **2:46**
